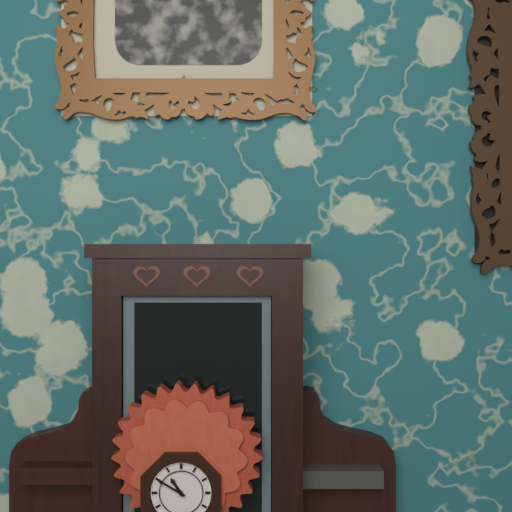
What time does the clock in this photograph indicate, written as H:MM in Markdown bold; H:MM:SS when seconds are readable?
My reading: **10:50**
